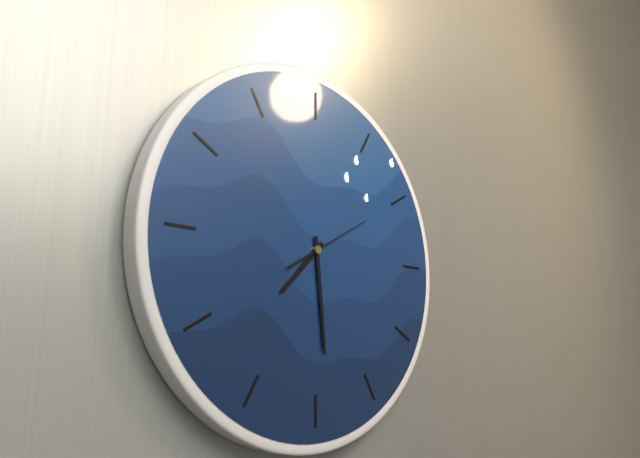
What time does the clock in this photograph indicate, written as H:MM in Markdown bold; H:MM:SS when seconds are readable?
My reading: **7:29:10**
